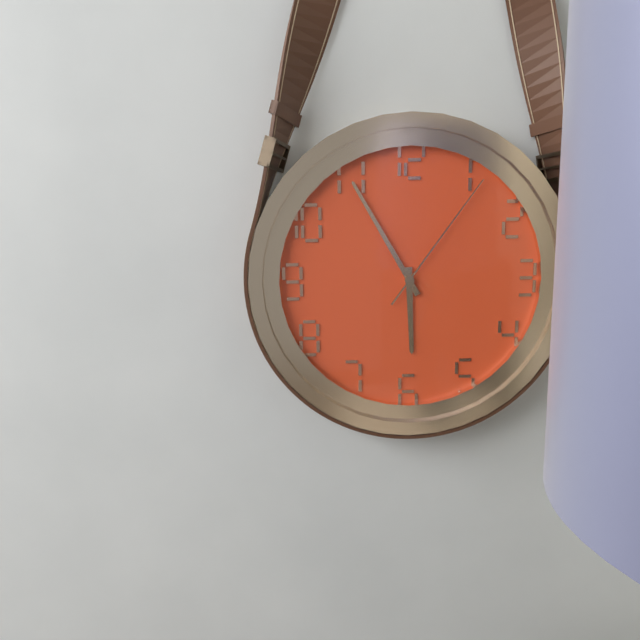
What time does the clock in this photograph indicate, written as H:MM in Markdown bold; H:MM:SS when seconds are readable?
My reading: **5:55:06**
